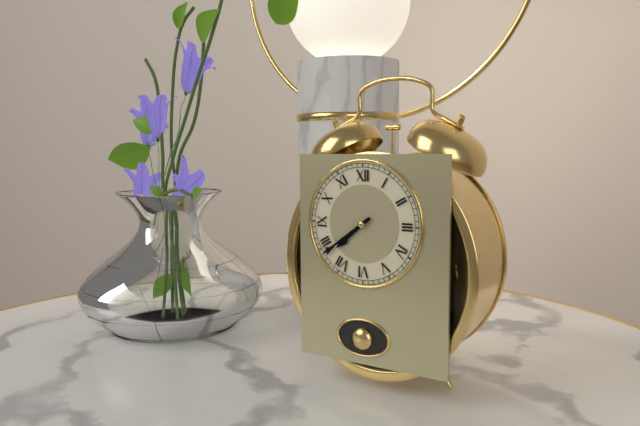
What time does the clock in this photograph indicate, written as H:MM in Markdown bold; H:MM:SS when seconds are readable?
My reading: **7:39**
